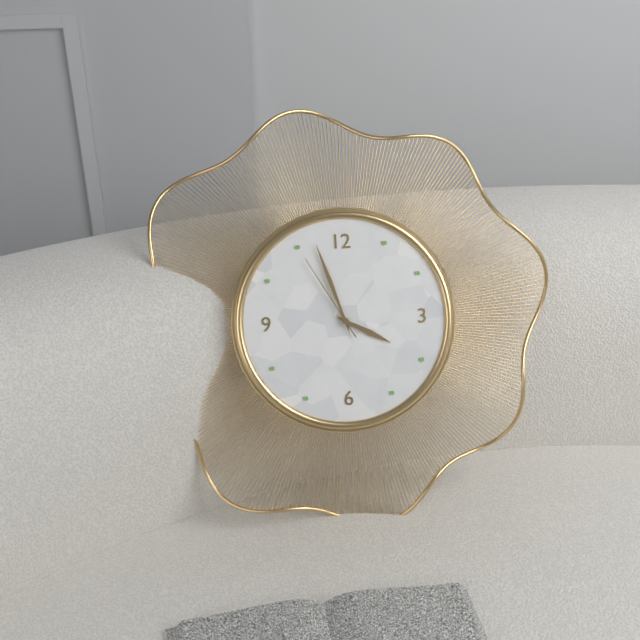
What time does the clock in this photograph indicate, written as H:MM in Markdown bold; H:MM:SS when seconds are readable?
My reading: **3:57:55**
